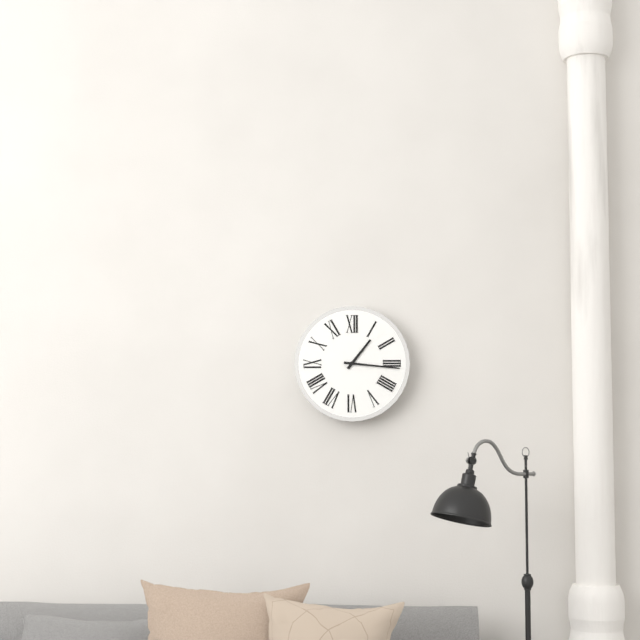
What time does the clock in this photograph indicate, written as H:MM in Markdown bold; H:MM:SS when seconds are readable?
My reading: **1:16**
